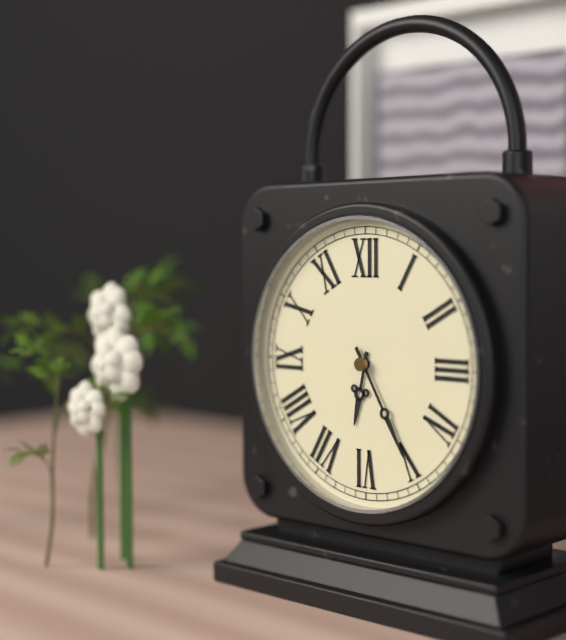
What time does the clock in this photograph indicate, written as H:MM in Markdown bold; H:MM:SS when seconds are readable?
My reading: **6:25**
